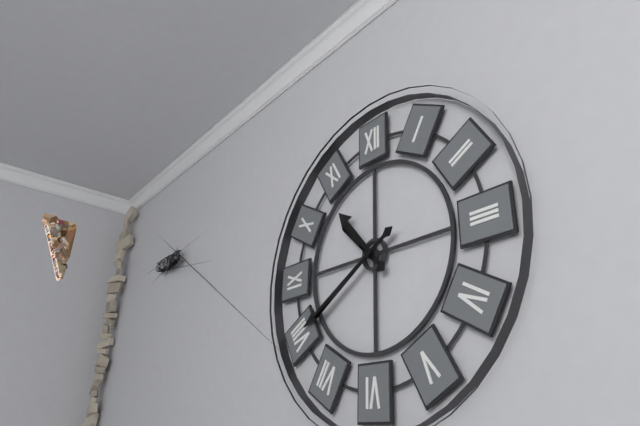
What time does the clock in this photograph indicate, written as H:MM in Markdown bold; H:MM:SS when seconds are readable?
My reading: **10:40**
